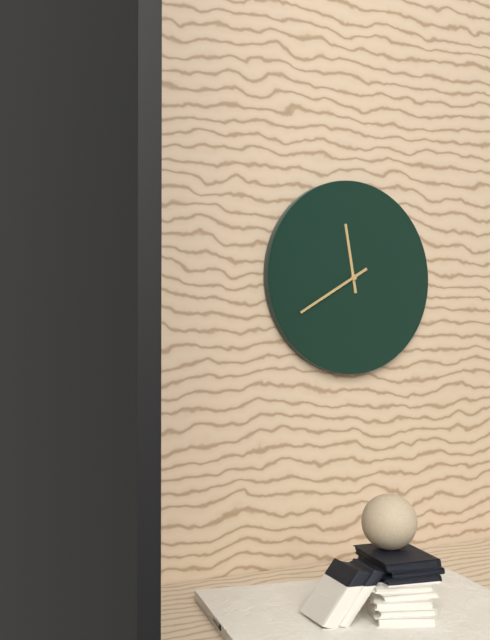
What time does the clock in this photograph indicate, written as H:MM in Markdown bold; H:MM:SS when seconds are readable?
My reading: **11:40**
